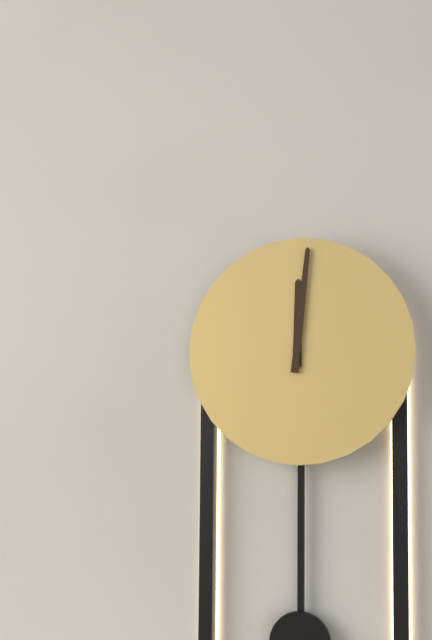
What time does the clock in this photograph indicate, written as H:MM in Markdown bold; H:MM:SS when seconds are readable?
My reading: **12:01**
